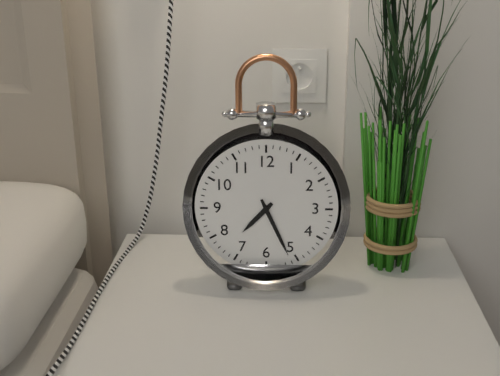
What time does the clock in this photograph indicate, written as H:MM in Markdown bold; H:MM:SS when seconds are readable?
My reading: **7:26**
